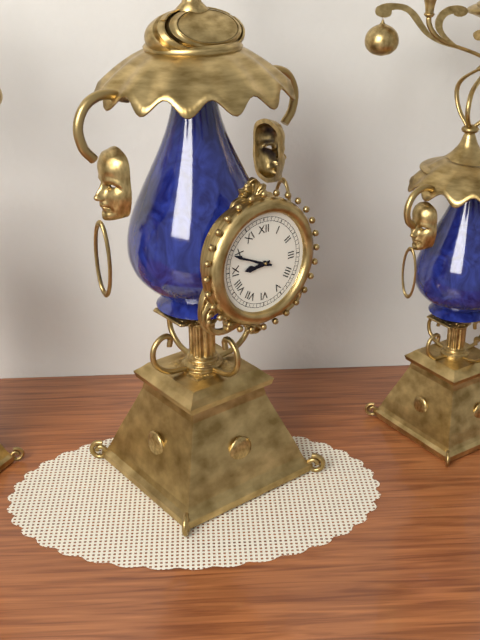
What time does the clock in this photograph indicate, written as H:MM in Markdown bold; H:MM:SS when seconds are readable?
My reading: **8:49**
